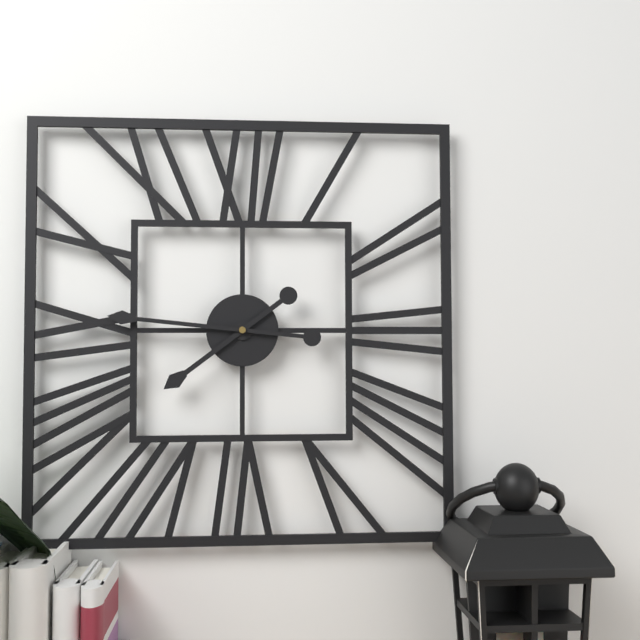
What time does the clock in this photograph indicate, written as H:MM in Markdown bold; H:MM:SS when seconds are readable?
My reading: **7:46**
